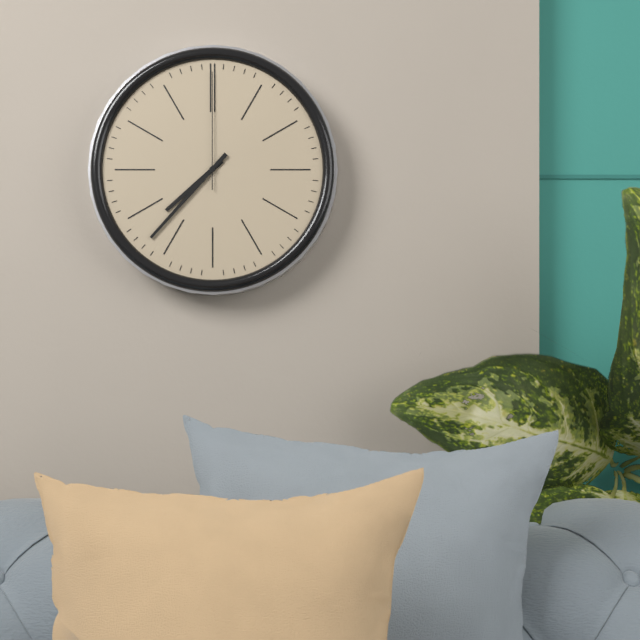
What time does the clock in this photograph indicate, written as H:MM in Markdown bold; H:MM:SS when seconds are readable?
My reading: **7:37:00**
